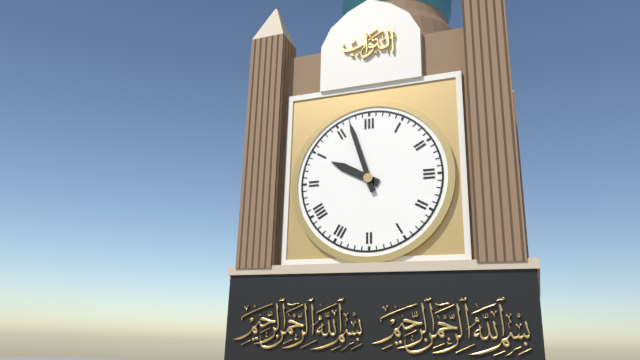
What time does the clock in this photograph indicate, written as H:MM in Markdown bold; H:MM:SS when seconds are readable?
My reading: **9:57**
